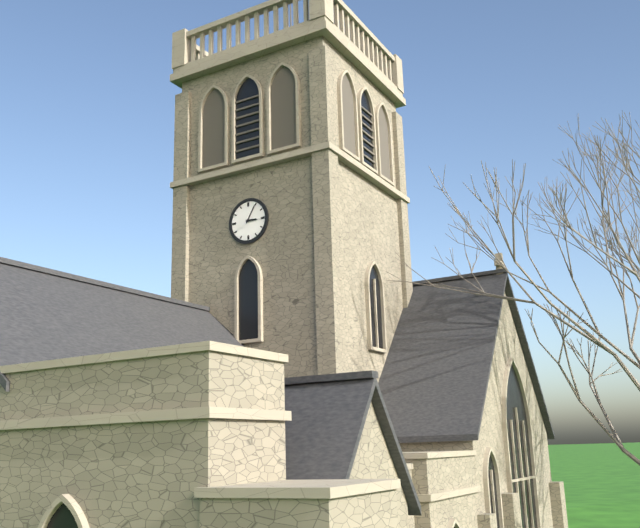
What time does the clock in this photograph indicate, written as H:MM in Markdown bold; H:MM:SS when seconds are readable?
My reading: **3:05**
